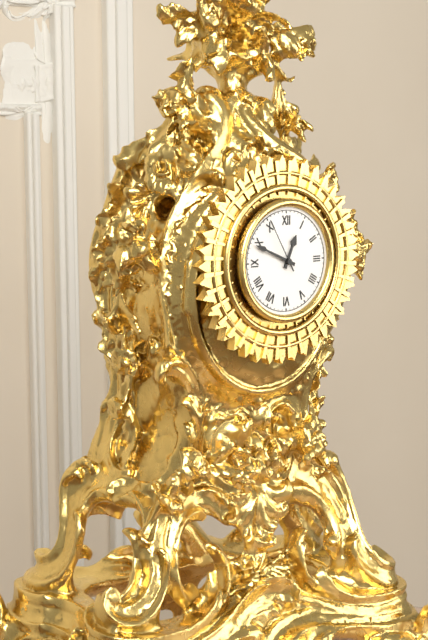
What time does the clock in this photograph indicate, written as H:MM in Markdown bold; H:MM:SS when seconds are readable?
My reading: **12:49:55**
